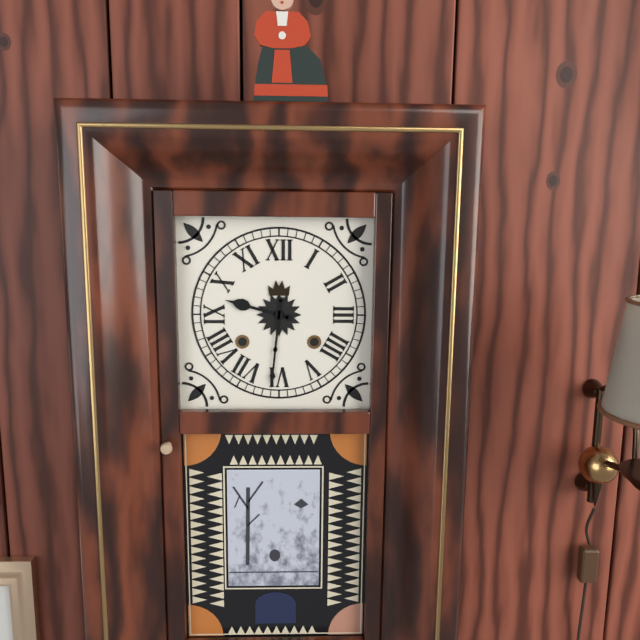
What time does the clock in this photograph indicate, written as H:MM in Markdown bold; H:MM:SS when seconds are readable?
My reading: **9:31**
